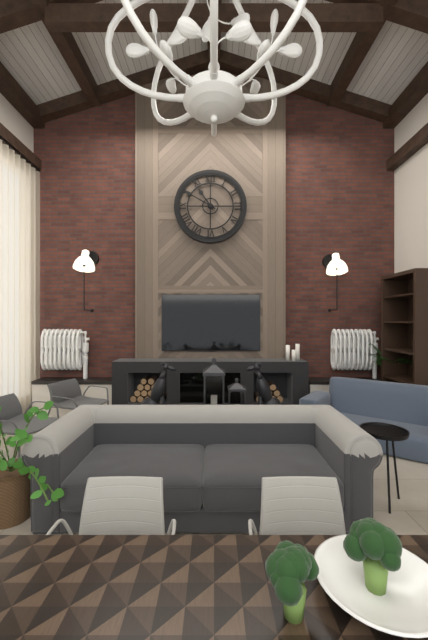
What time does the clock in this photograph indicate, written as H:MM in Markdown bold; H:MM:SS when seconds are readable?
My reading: **10:50**
